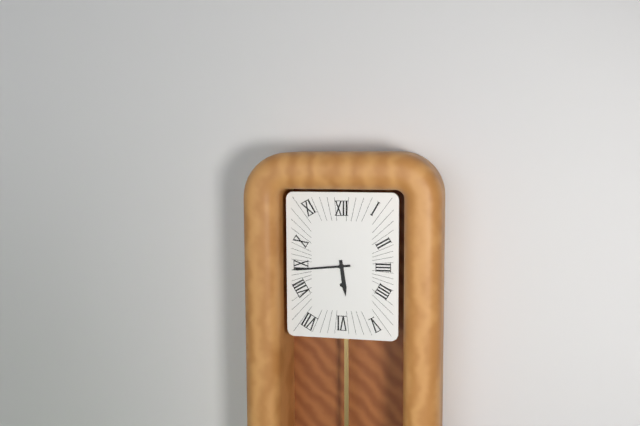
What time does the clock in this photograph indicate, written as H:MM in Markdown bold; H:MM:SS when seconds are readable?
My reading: **5:44**
